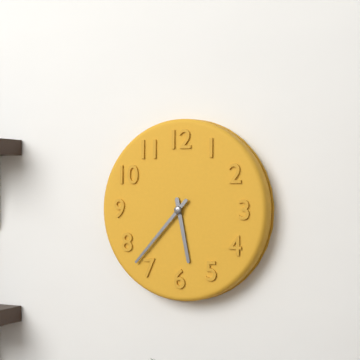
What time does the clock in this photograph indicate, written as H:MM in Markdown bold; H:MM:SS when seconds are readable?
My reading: **5:37**
